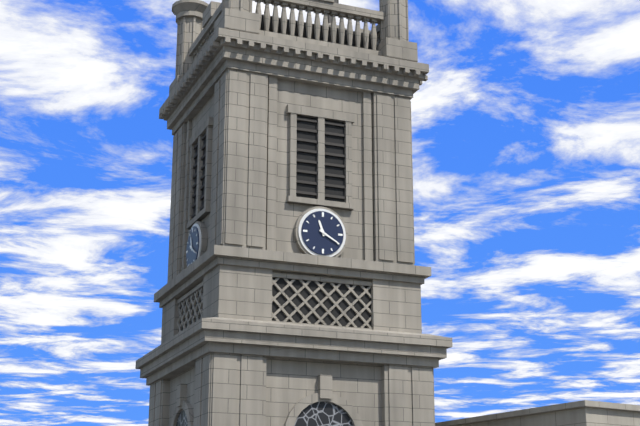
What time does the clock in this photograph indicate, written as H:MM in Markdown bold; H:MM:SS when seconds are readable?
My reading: **11:20**
